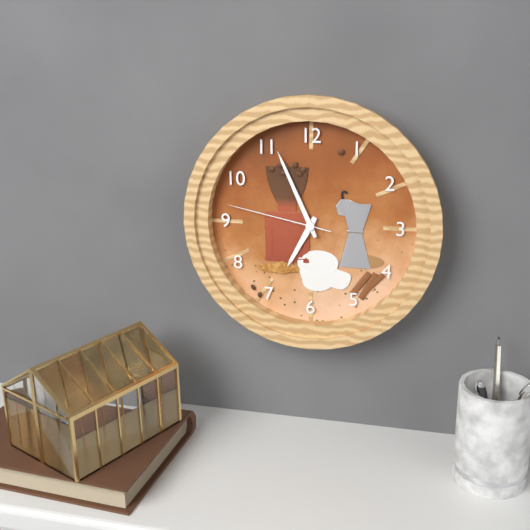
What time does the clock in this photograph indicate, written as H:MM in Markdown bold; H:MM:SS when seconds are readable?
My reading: **6:56:47**
